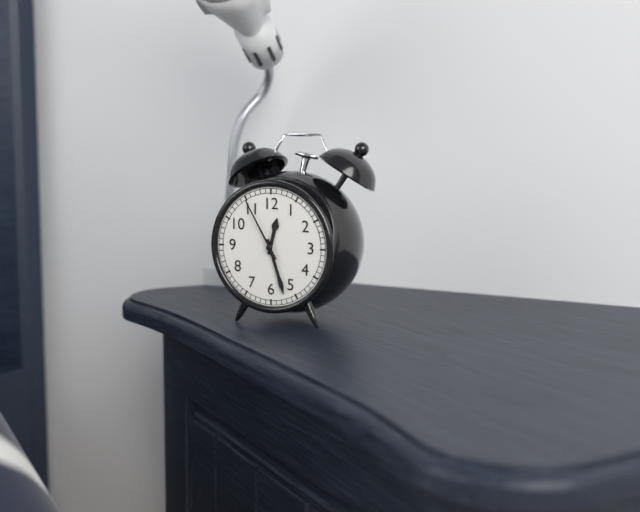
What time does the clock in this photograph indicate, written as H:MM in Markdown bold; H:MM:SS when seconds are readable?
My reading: **12:27:55**
